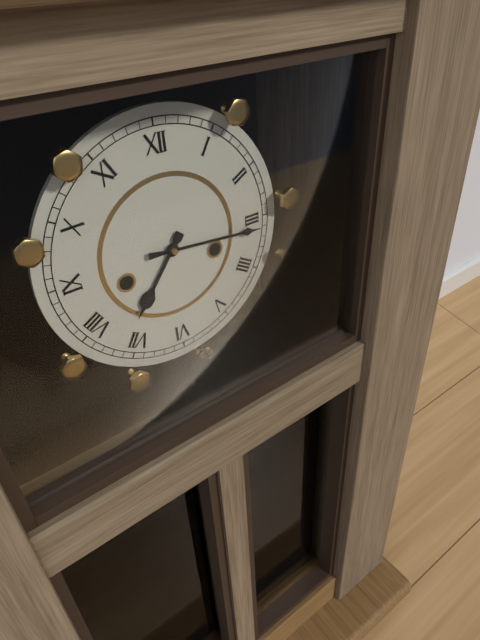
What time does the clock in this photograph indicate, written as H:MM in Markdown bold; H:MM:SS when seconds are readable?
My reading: **7:16**
